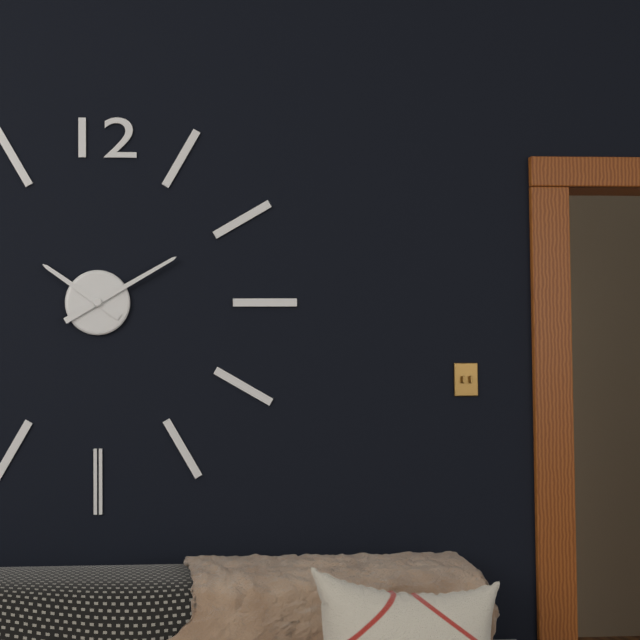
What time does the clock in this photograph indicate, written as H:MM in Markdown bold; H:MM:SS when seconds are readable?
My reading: **10:10**
